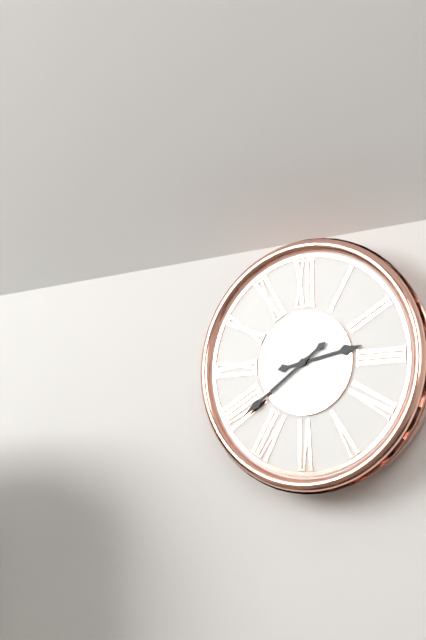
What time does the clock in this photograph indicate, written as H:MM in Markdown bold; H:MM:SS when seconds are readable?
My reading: **2:39**
